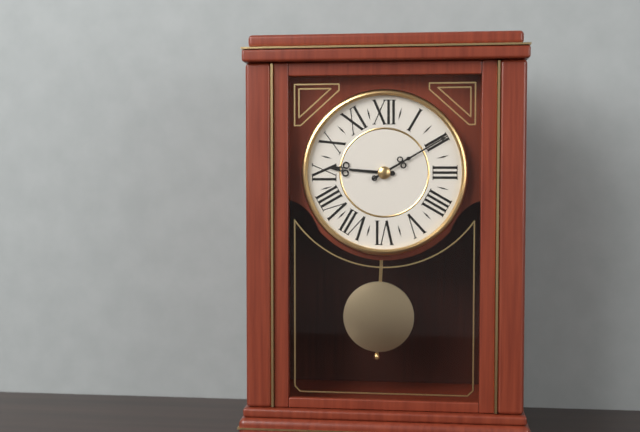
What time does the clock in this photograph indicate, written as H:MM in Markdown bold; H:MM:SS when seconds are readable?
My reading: **9:10**
